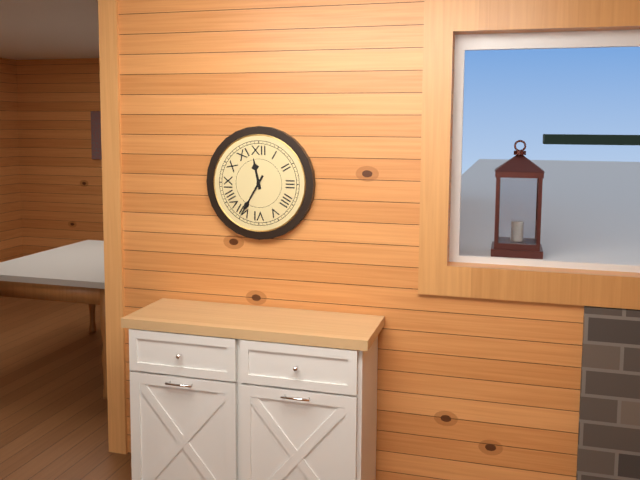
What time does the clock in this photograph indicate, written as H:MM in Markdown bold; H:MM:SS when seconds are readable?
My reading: **11:35**
